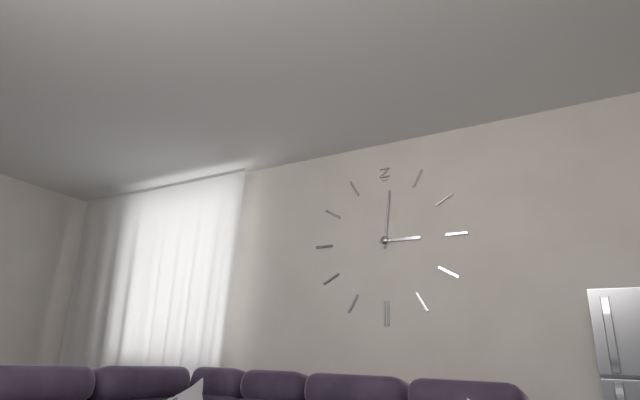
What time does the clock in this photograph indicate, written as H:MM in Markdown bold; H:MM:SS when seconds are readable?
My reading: **3:01**
